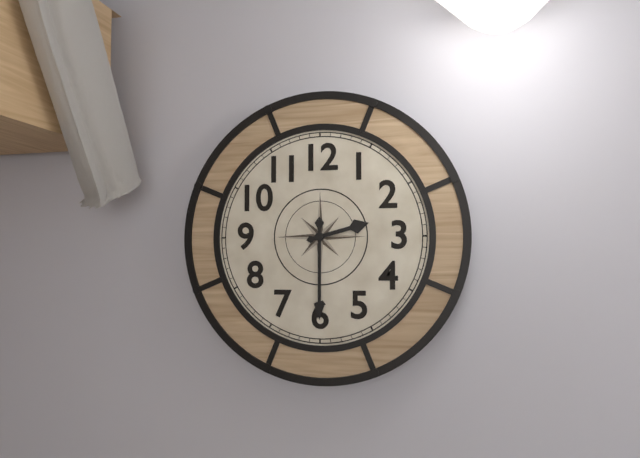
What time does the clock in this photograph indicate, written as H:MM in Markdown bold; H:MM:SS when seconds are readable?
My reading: **2:30**
